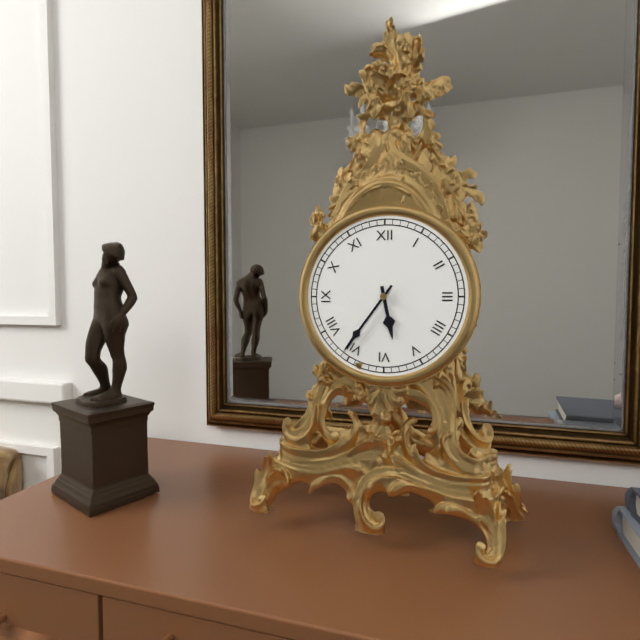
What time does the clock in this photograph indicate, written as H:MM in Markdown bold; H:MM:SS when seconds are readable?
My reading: **5:36**
